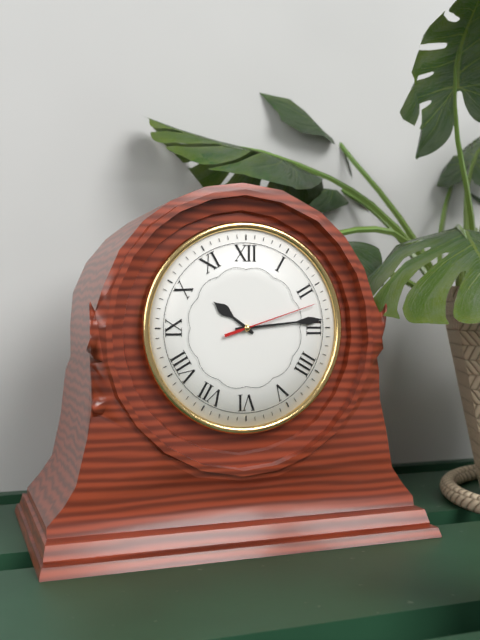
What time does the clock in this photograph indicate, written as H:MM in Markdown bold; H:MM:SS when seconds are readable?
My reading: **10:14:12**
